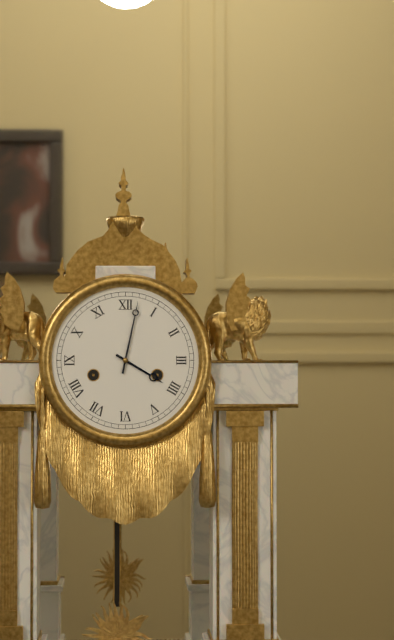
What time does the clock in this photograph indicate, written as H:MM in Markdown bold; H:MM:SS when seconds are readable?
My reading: **4:02**
